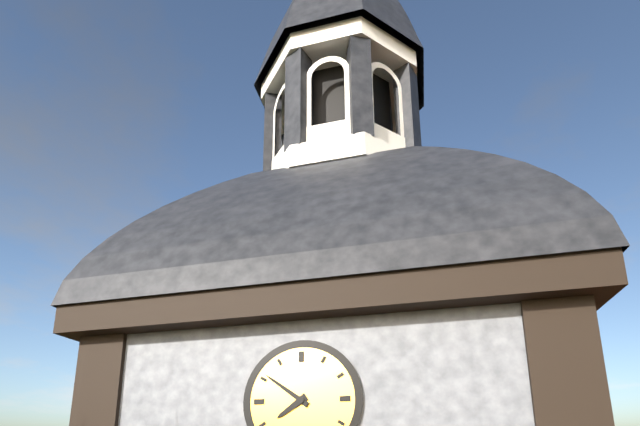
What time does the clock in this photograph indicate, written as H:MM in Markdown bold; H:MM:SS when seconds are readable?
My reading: **7:51**
